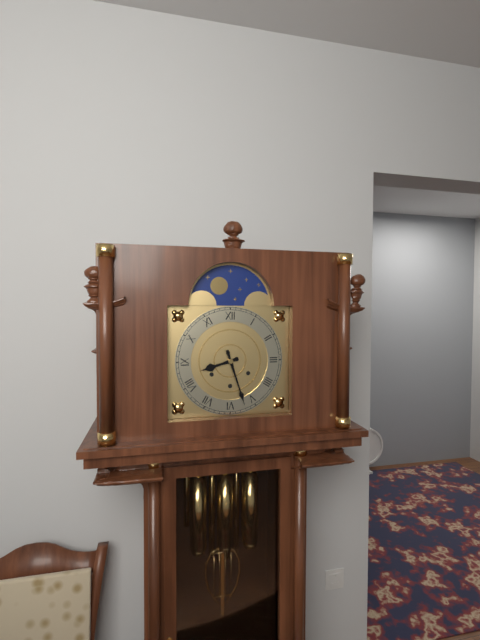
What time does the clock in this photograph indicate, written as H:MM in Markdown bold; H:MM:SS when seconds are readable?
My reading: **8:27**
